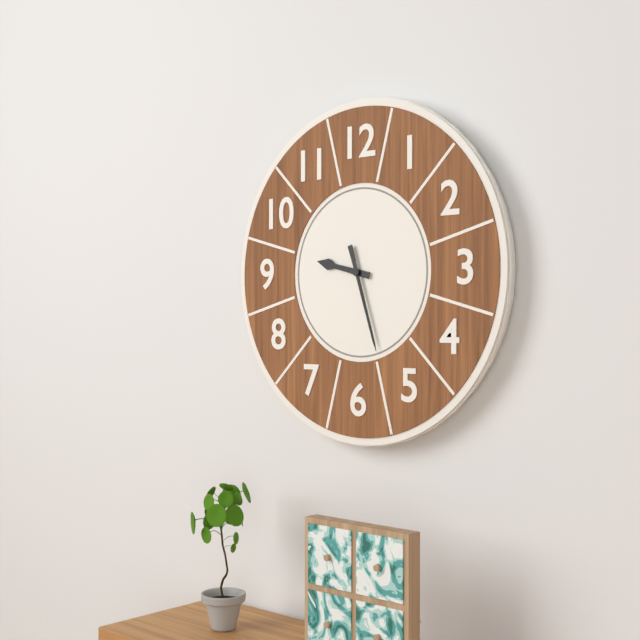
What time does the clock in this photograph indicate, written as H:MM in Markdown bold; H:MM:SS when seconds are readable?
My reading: **9:27**
